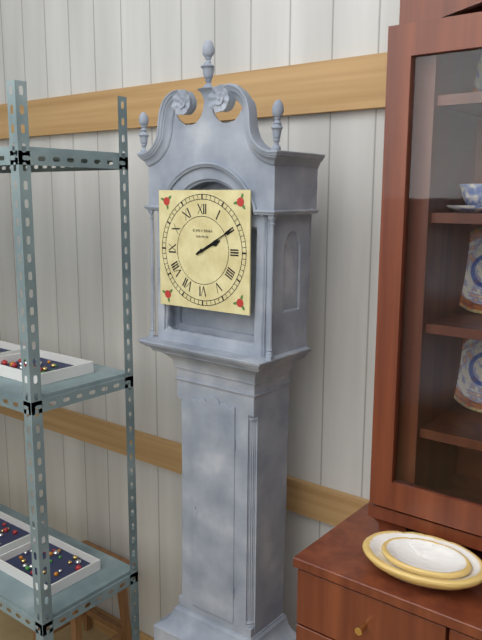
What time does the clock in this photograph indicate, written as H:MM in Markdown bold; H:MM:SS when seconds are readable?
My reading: **2:10**
